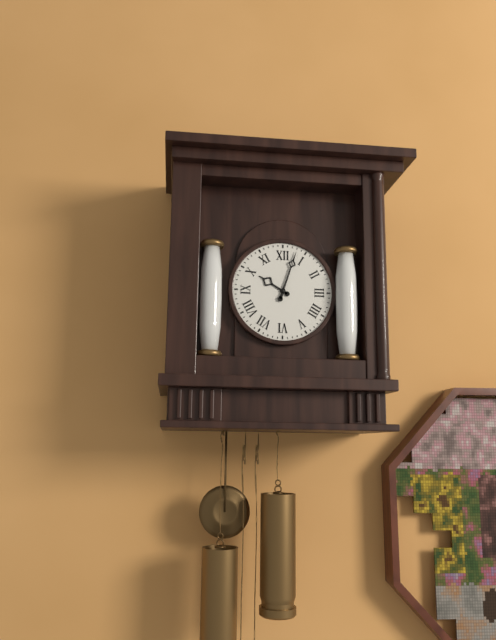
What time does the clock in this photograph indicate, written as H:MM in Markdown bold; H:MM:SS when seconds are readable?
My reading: **10:03**
